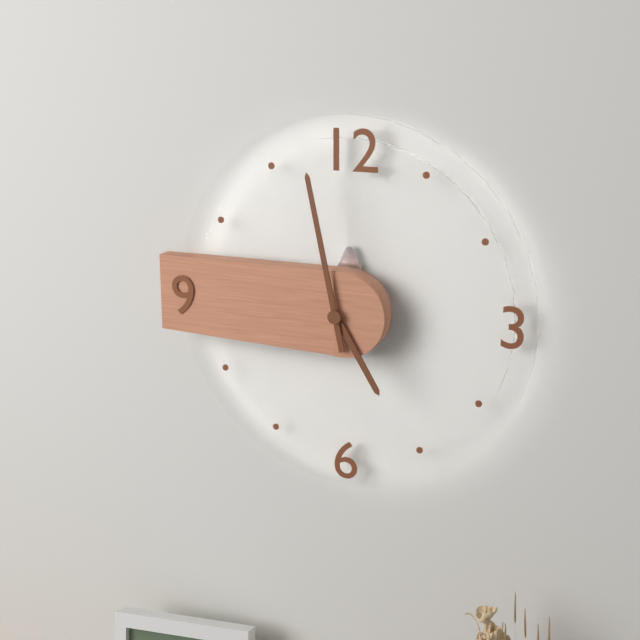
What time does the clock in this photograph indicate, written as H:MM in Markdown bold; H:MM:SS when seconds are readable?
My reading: **4:58**
